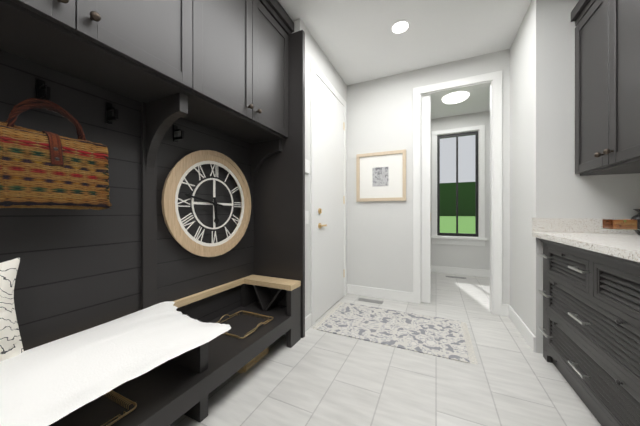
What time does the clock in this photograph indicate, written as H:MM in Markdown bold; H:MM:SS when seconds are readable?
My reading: **5:47**
